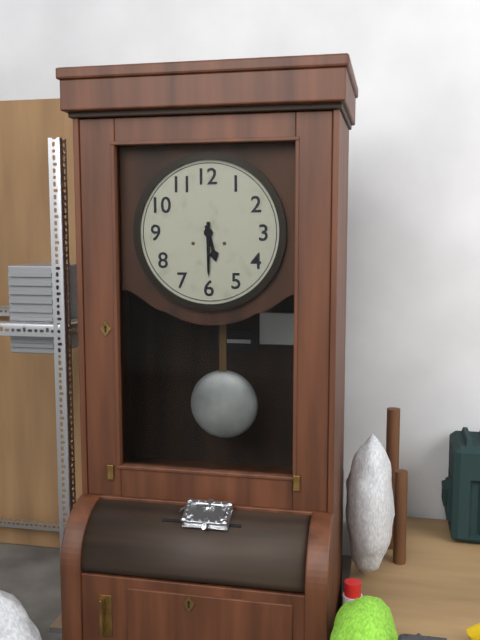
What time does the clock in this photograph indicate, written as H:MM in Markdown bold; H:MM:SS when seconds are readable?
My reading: **5:30**
